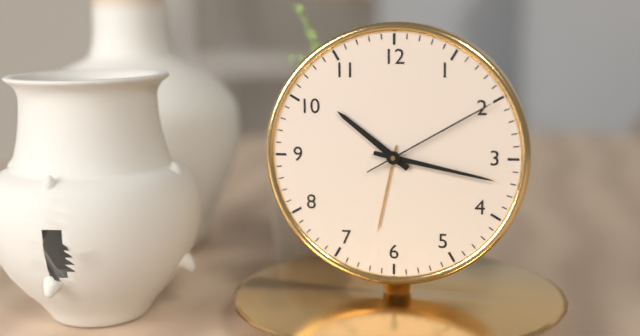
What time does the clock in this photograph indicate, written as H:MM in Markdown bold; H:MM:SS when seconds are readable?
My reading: **10:17:10**
